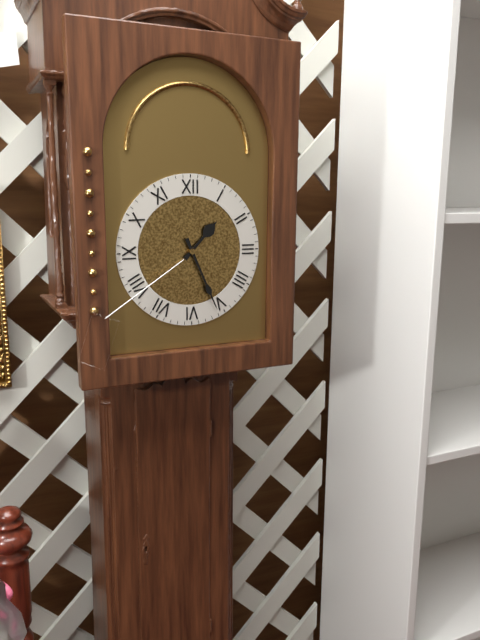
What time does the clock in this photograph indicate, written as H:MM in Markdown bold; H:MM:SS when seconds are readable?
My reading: **1:26**
